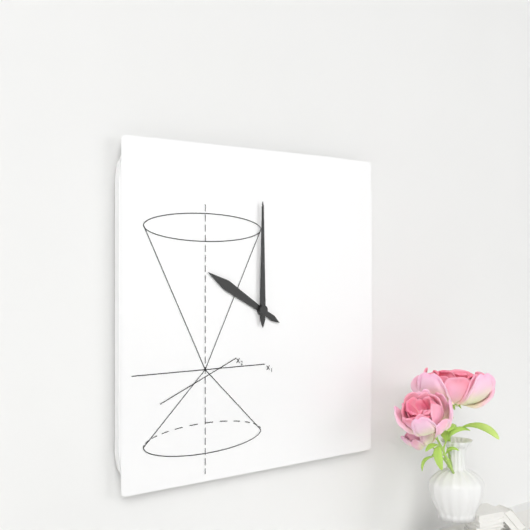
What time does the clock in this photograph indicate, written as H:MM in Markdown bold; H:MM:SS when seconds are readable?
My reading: **10:00**
